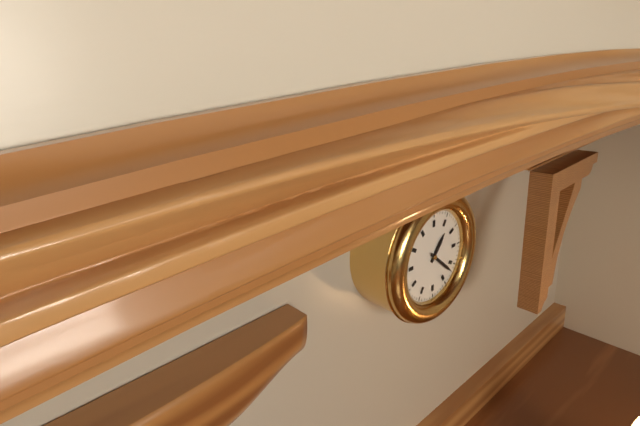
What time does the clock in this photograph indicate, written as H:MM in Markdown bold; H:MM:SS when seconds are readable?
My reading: **1:22**
